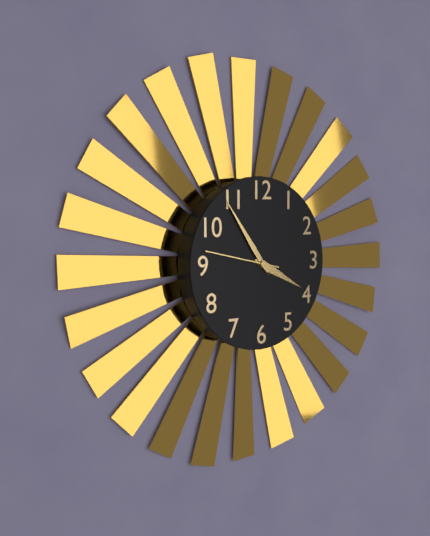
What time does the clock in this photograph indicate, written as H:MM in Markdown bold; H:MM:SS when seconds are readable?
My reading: **3:54:47**
